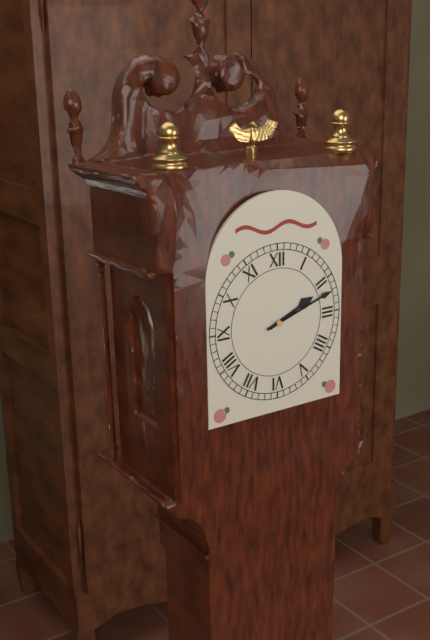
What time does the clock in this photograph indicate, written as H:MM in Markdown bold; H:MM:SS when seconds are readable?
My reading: **2:12**
